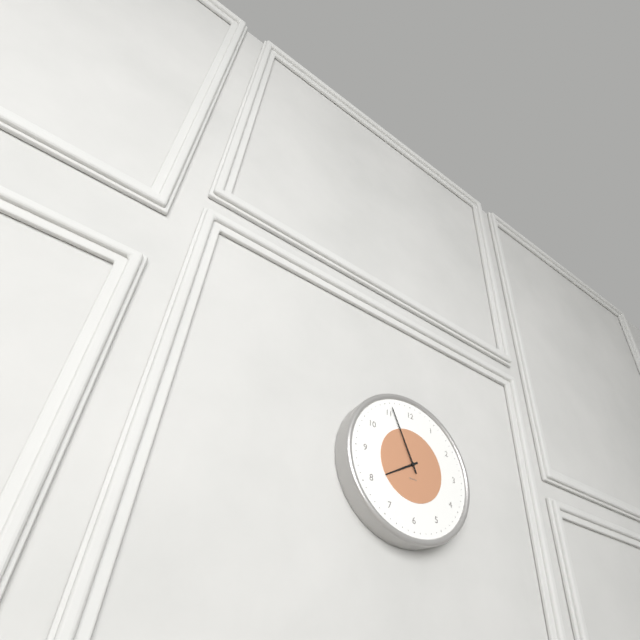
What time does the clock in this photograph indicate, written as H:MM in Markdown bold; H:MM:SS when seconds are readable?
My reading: **7:56**
